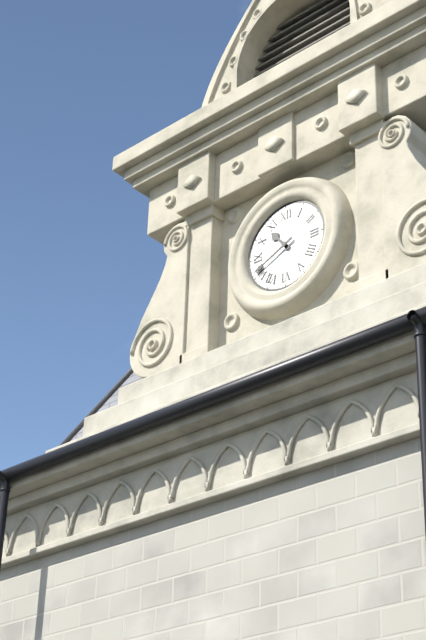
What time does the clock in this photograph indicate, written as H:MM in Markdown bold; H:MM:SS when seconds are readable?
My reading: **10:41**
